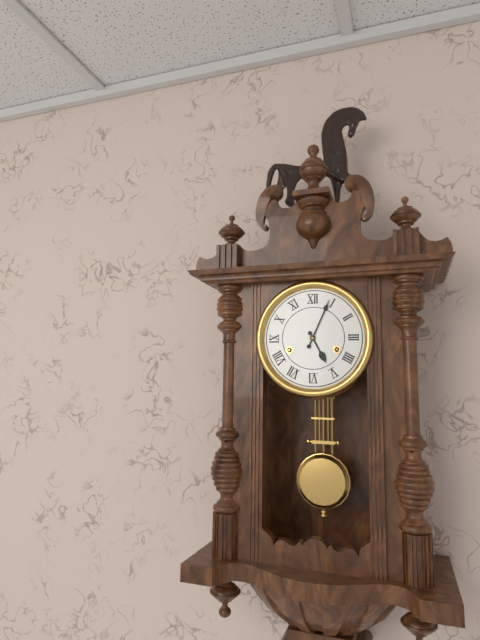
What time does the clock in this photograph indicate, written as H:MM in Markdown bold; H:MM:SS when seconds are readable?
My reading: **5:04**
